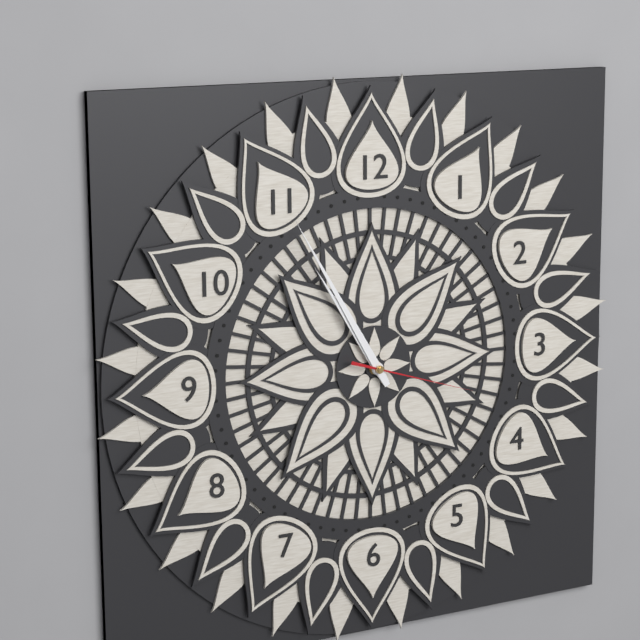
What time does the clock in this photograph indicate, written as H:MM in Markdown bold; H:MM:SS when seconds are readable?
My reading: **10:55:18**
